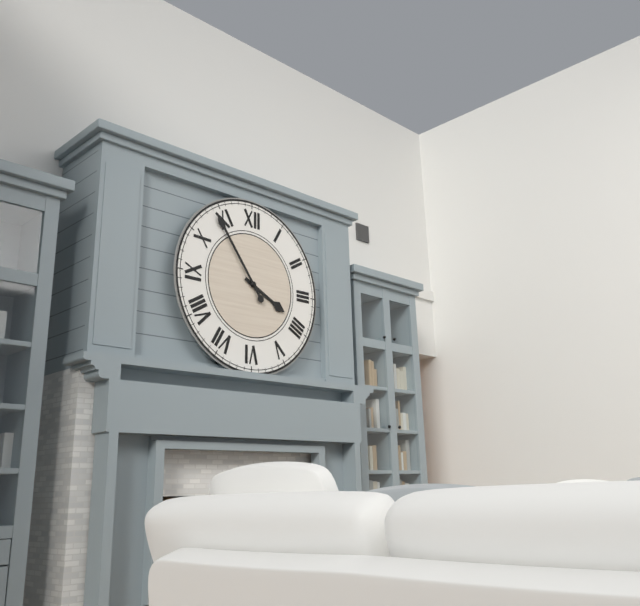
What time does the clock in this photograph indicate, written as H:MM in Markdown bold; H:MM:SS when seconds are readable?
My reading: **3:54**
